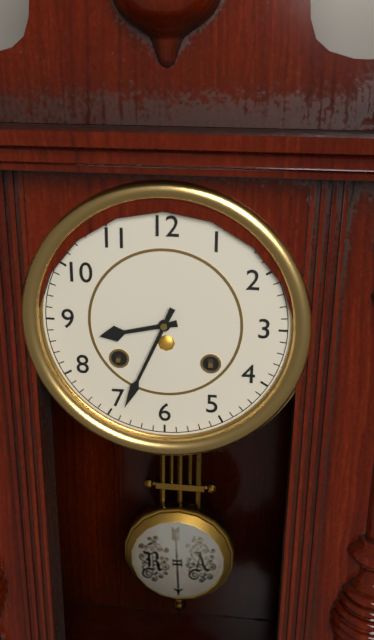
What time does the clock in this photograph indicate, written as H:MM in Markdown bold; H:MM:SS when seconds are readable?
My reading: **8:34**
